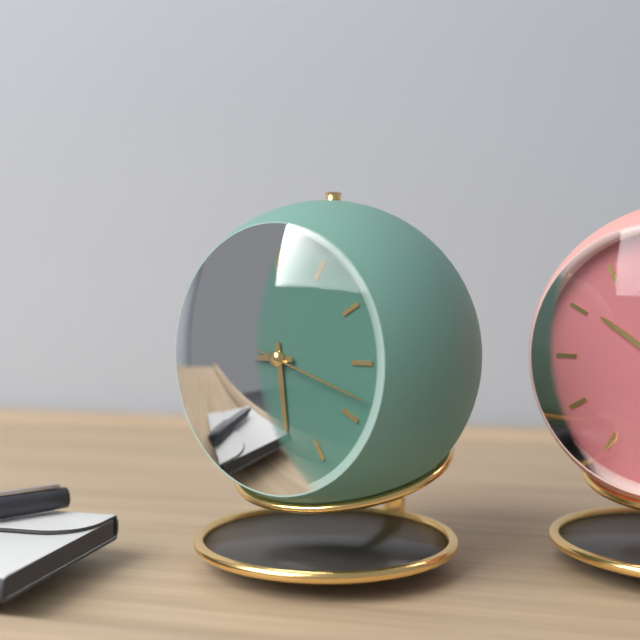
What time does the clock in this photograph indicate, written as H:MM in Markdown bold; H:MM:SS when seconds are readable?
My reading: **5:45:18**
